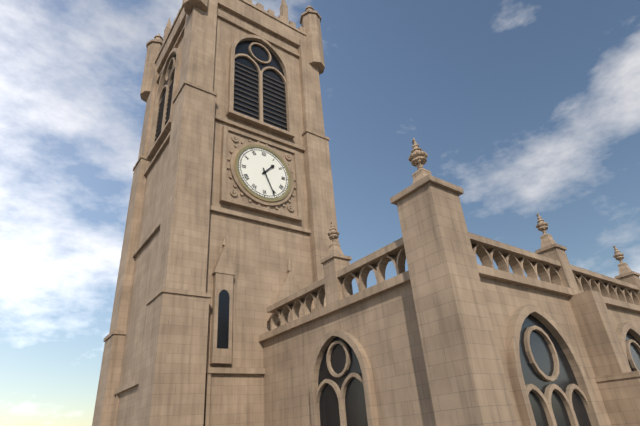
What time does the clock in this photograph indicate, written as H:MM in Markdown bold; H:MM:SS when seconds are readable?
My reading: **1:26**
